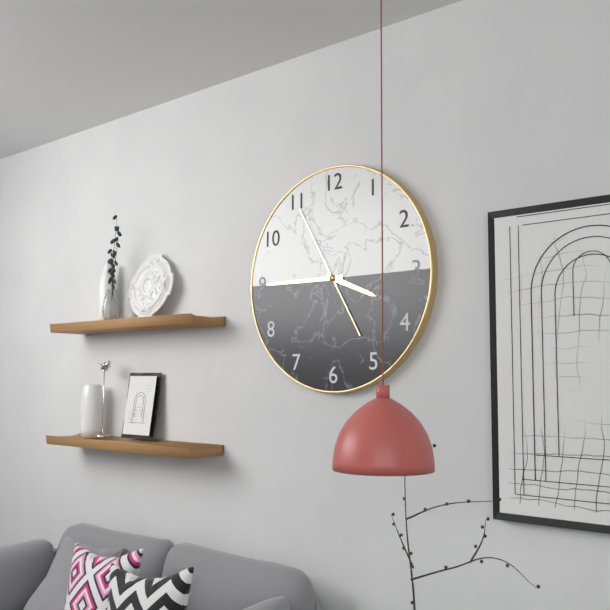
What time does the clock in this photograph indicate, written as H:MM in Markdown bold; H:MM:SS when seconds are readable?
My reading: **3:45:55**
